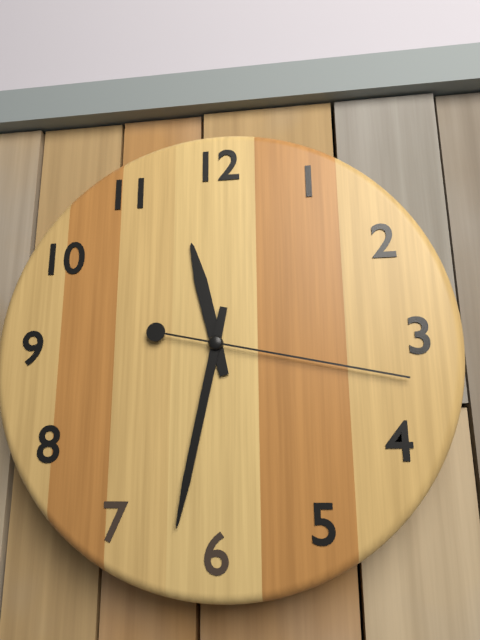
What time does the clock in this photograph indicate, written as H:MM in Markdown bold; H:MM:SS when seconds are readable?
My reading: **11:32:17**
